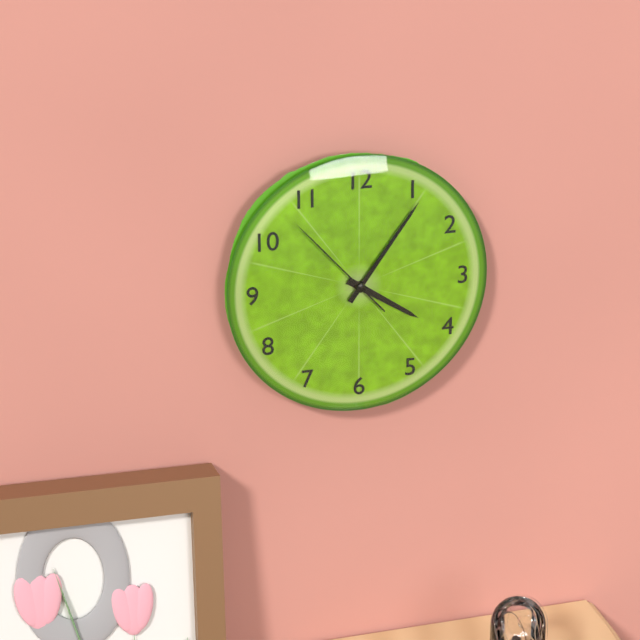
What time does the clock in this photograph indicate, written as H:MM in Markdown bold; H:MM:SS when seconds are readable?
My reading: **4:06:53**
